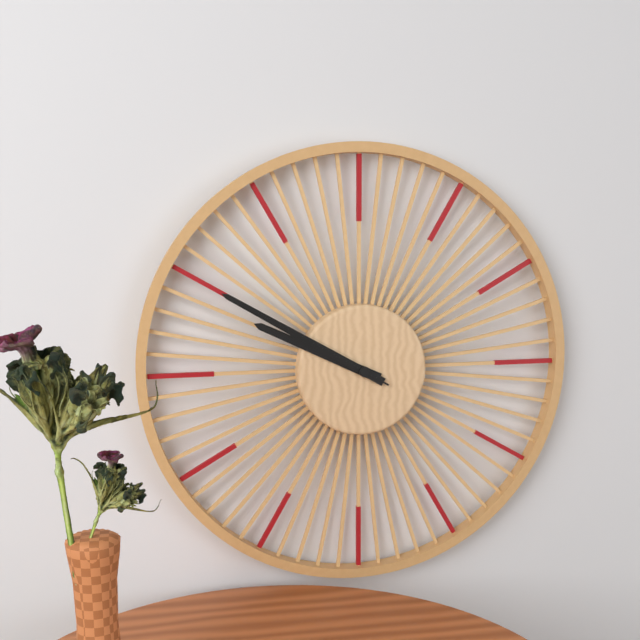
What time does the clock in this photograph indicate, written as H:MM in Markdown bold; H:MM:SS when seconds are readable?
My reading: **9:50:50**
